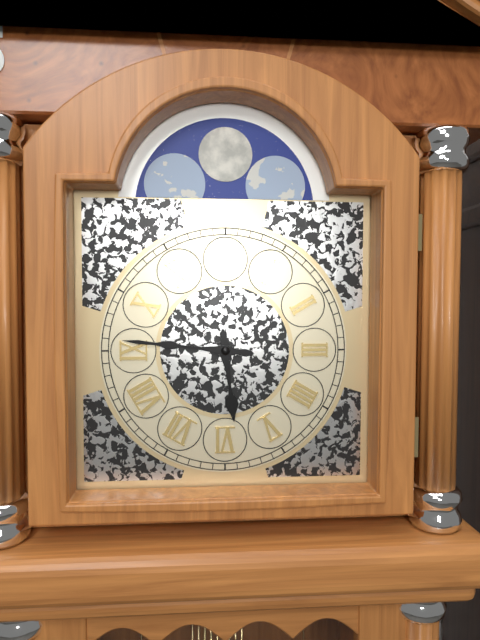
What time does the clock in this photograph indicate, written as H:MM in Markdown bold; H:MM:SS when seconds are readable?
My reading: **5:46**
